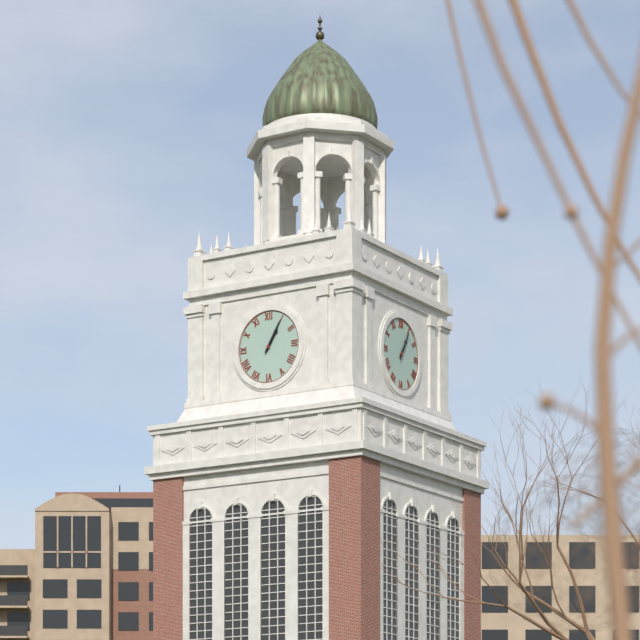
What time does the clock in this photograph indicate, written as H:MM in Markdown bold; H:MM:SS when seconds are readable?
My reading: **1:05**
